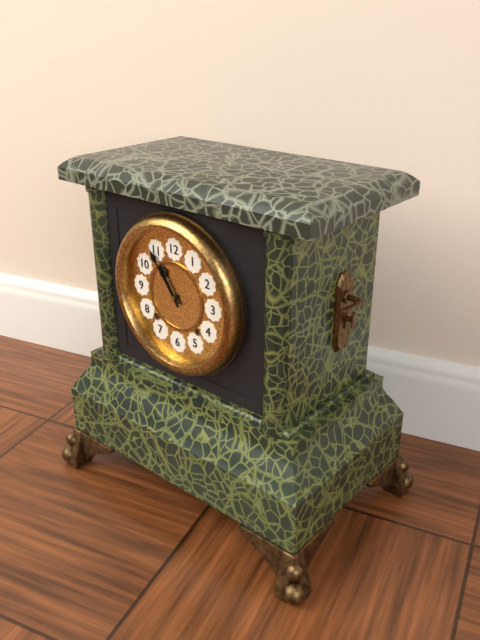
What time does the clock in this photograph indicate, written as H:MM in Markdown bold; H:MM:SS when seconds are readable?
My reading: **10:54**
